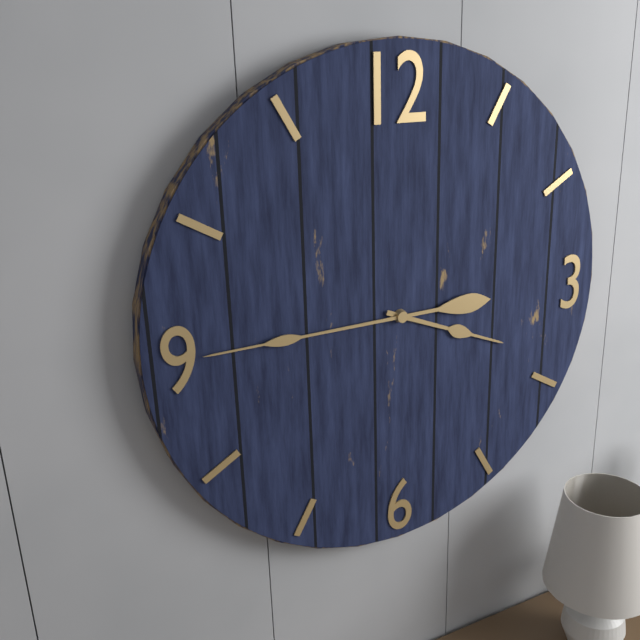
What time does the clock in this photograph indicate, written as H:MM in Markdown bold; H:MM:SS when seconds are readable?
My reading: **3:45**
